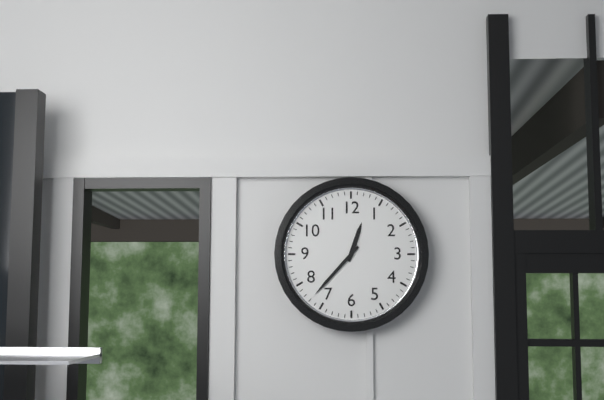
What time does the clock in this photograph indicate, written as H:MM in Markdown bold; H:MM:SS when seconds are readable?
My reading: **12:37**
